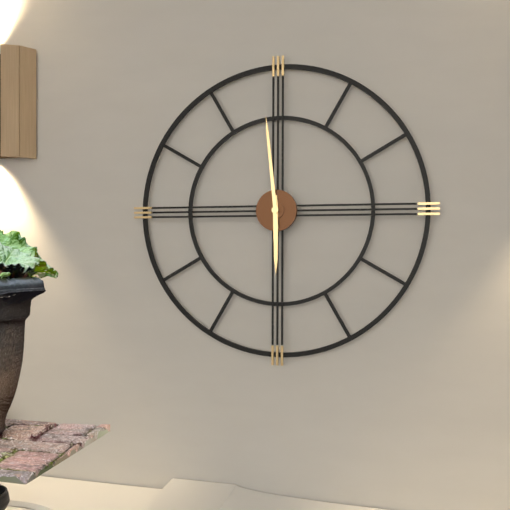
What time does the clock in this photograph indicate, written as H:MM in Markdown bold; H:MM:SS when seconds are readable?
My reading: **5:59**
